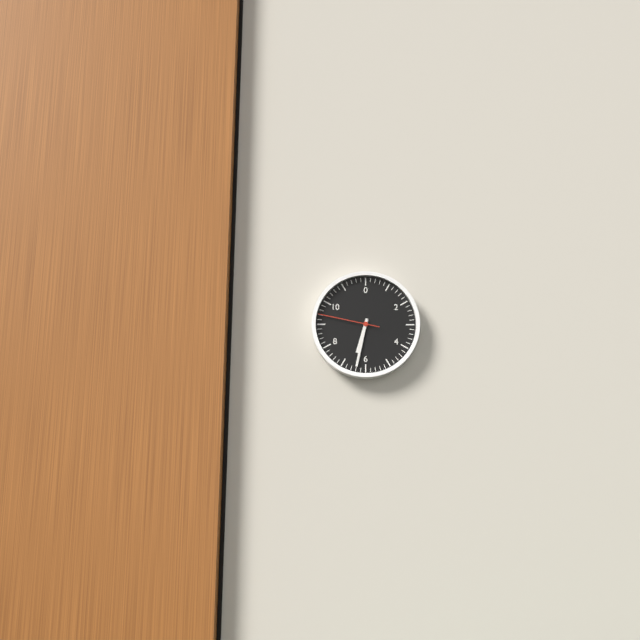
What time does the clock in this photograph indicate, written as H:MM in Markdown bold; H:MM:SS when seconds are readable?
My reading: **6:32:47**
